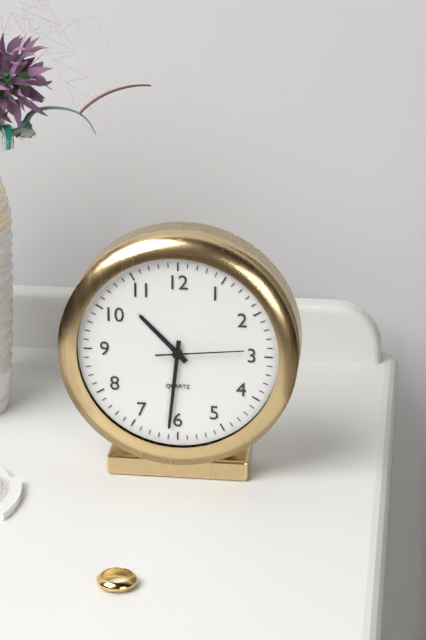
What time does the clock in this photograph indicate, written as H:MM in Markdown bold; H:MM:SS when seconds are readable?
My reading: **10:31:14**
